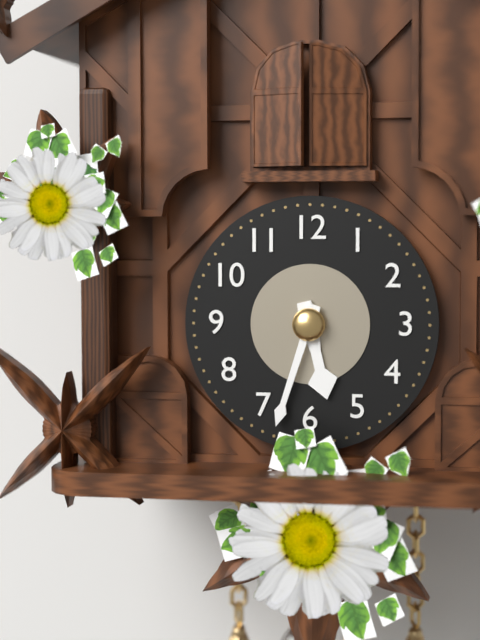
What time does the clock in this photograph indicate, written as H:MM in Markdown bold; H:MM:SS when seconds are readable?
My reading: **5:33**
